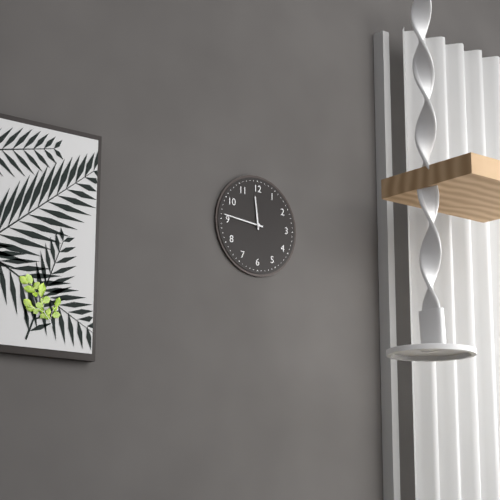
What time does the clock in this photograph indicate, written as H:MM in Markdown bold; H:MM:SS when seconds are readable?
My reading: **11:46**
